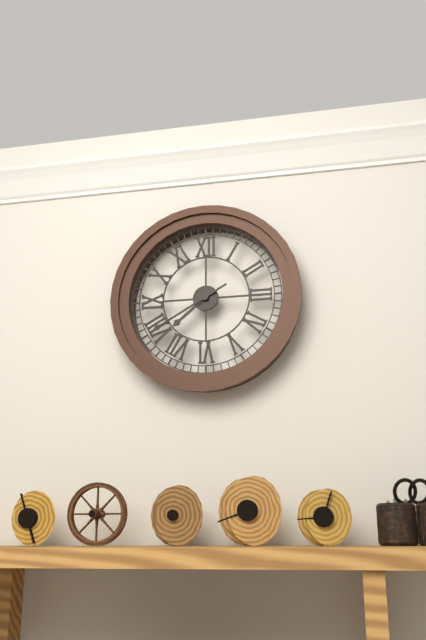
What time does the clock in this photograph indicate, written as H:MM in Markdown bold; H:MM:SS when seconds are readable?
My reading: **7:40**
